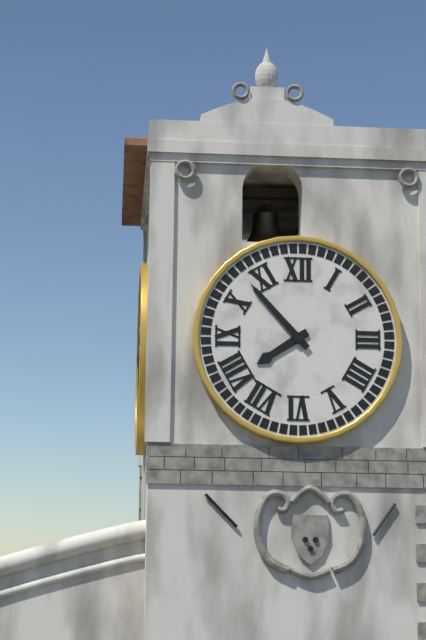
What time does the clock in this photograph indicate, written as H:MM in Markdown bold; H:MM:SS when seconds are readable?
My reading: **7:53**
